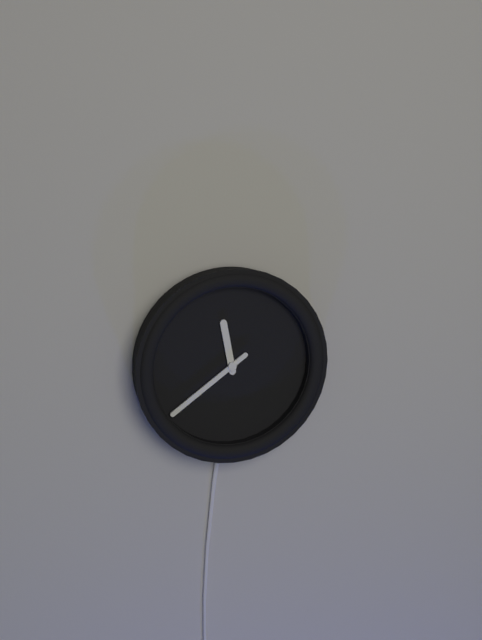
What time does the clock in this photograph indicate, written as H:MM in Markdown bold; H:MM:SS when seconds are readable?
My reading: **11:39**
